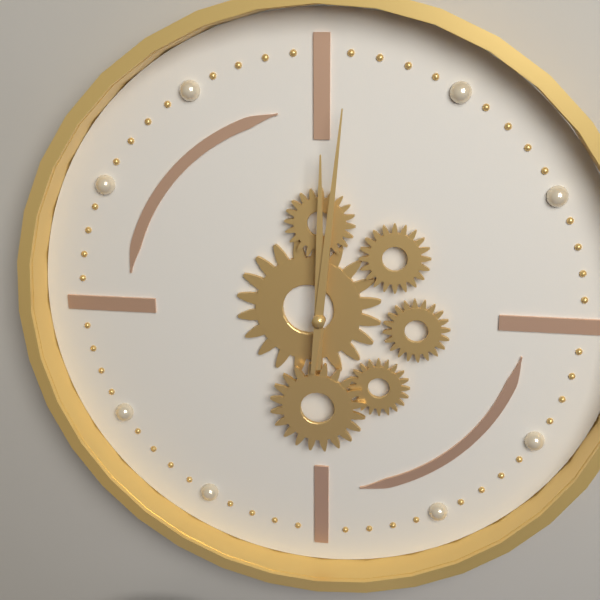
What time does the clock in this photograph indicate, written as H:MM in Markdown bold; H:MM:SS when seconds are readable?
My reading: **12:01**
